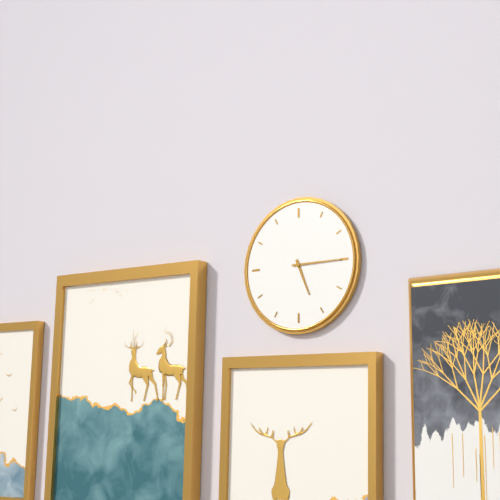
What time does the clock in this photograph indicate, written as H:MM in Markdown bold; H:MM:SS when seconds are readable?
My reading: **5:15**
